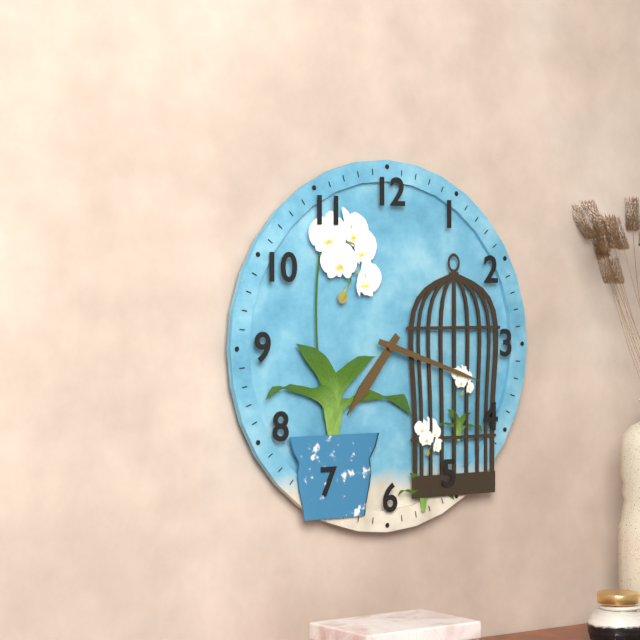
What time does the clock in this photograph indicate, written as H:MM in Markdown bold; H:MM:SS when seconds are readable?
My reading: **7:18**
